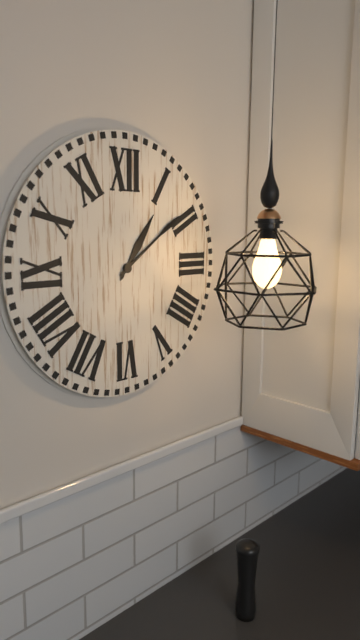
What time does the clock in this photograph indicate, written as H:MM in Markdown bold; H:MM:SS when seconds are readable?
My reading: **1:09**
